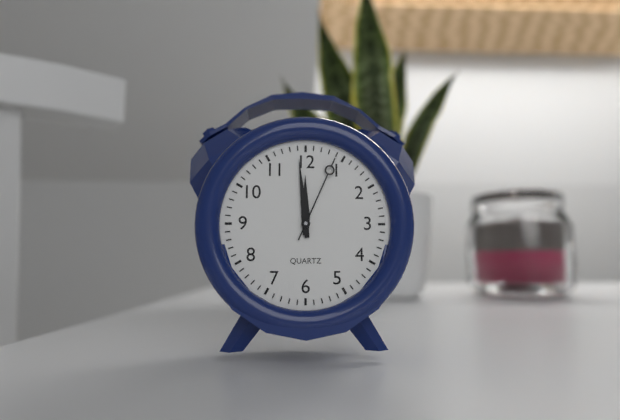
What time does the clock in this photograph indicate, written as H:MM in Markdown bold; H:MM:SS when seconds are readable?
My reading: **11:59:04**
